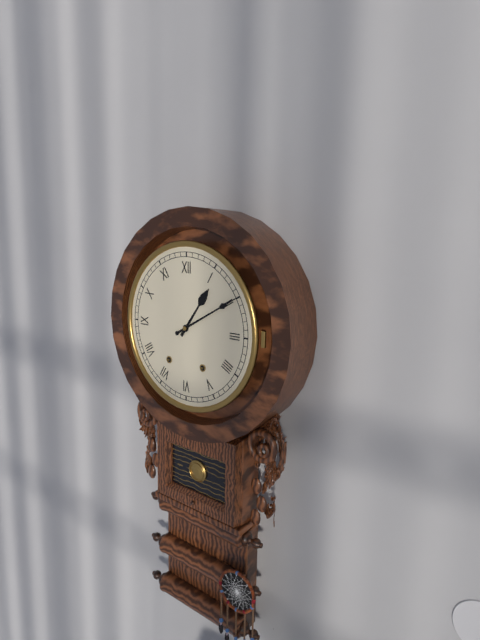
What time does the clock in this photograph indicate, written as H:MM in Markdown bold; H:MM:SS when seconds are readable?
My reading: **1:10**
